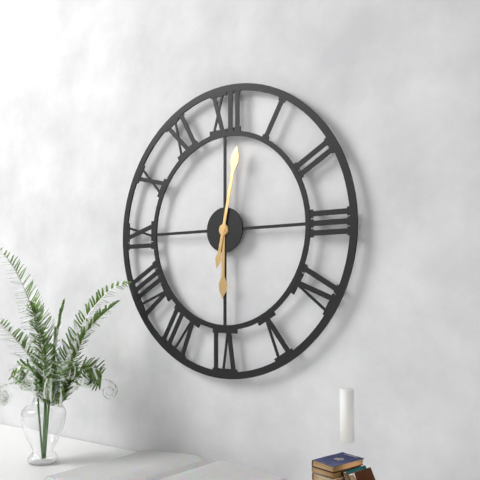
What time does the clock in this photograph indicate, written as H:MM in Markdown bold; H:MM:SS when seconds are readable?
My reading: **6:02**
